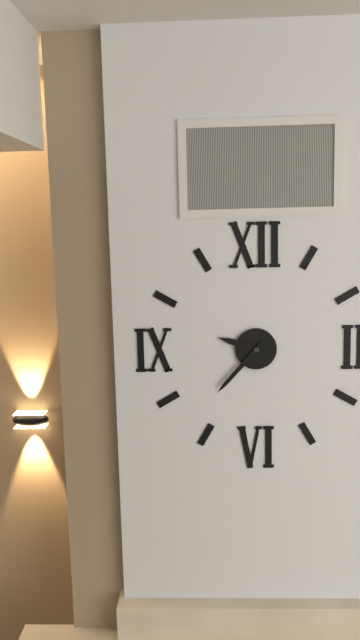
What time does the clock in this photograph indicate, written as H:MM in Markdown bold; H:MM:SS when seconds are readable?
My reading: **9:37**
